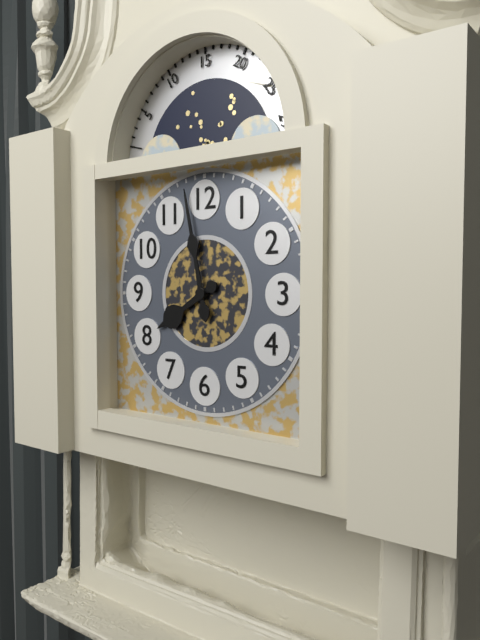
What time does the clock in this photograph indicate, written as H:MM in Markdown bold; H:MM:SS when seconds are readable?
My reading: **7:58**
